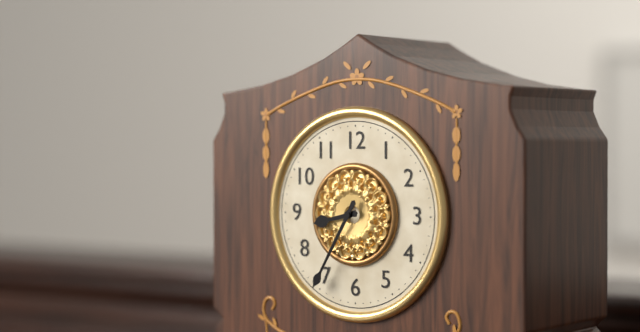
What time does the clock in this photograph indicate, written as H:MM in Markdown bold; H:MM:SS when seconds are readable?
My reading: **8:35**
